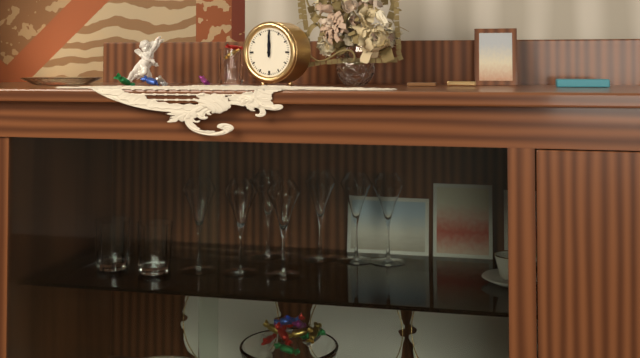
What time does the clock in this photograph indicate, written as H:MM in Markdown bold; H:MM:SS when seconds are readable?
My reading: **12:00**
